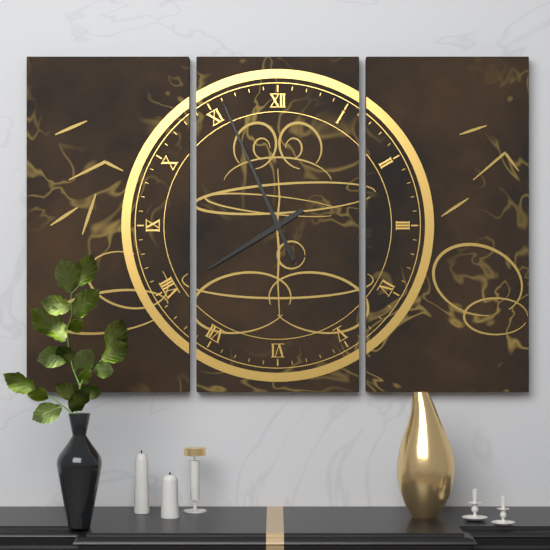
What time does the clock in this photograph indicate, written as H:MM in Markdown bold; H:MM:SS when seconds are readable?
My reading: **7:56**
